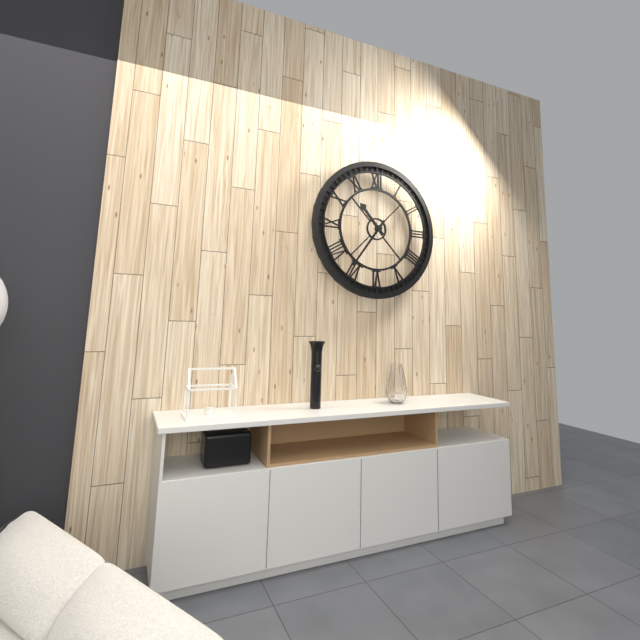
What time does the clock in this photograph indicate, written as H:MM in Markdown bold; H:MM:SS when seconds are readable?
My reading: **10:36**
